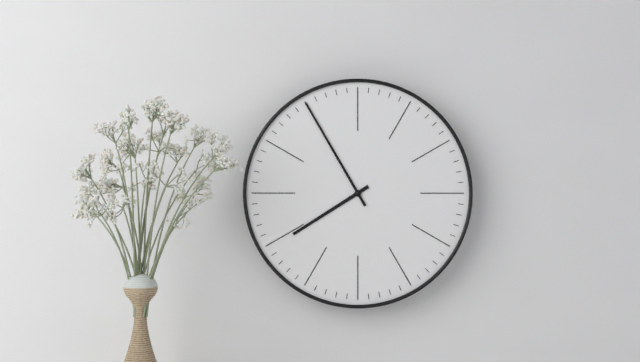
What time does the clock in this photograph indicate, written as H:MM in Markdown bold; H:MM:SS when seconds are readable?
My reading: **7:55**
